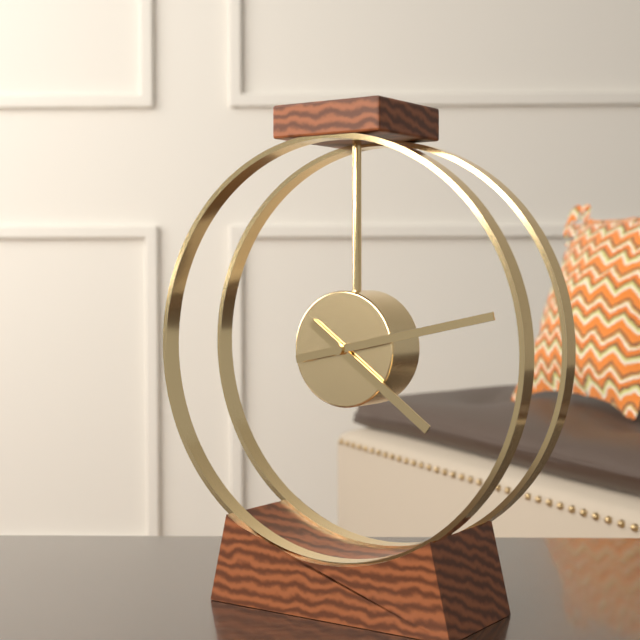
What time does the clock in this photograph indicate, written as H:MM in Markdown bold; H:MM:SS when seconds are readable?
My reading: **4:13**
